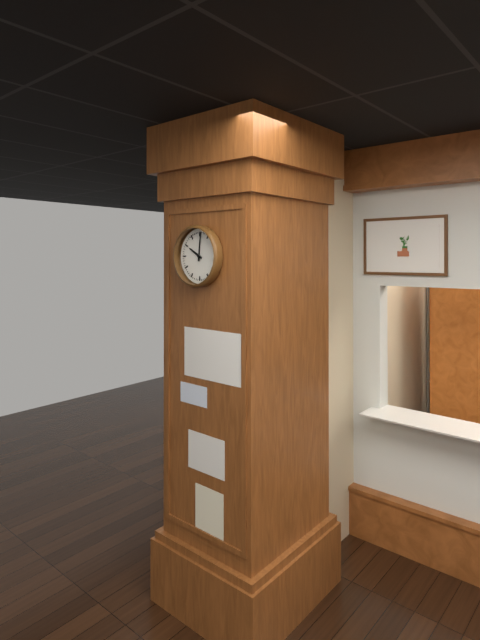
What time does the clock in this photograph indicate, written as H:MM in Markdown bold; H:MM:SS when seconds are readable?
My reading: **10:01**
